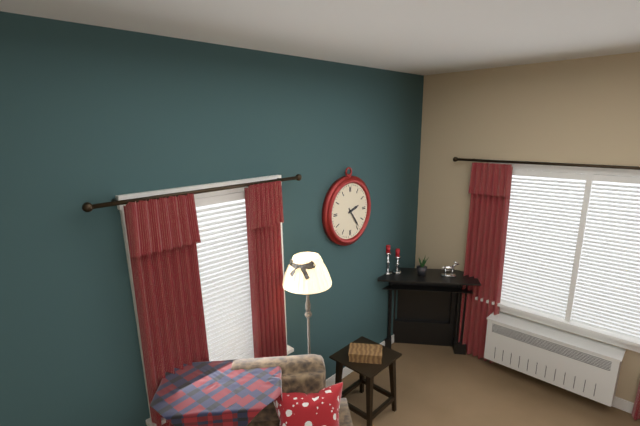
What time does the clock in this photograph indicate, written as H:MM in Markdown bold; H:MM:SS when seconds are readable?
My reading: **2:24**
